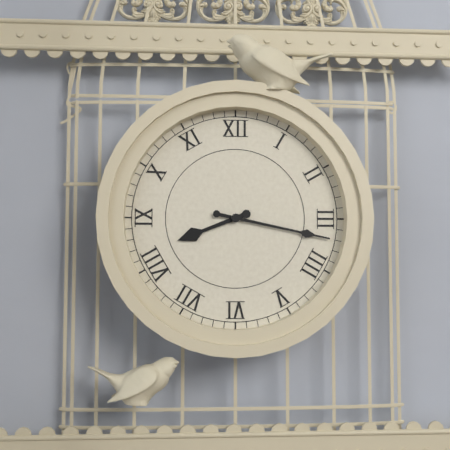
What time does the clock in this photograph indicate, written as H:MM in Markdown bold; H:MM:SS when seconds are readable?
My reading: **8:17**
